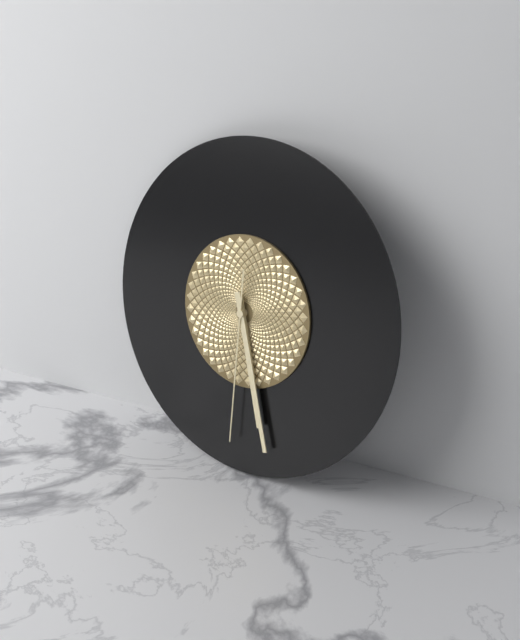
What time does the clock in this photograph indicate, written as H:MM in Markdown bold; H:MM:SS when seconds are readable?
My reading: **5:27:30**
